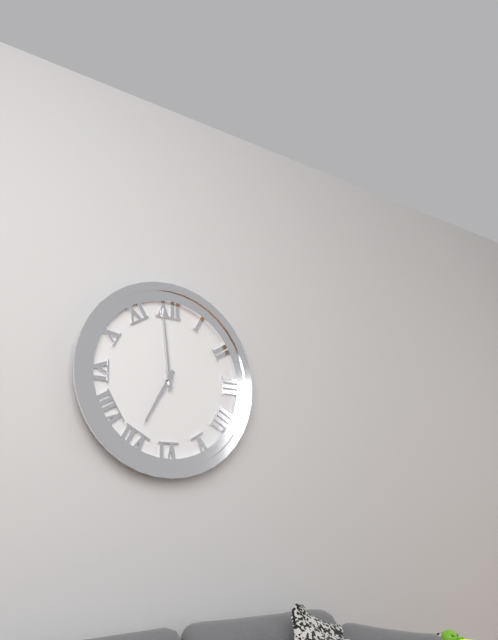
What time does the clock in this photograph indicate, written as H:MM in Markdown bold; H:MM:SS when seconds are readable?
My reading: **6:59**
